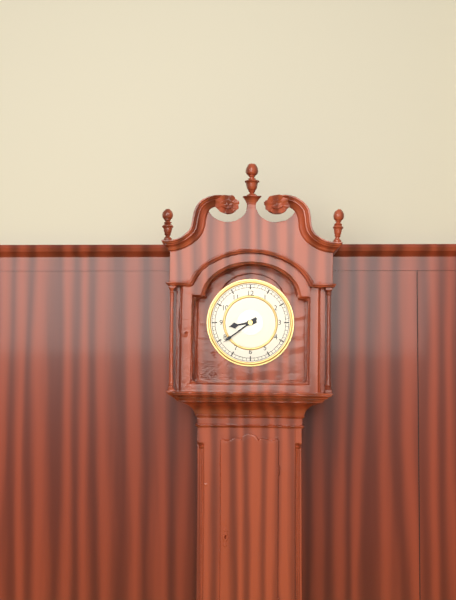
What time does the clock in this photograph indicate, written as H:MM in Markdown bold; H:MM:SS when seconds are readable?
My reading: **8:39**
